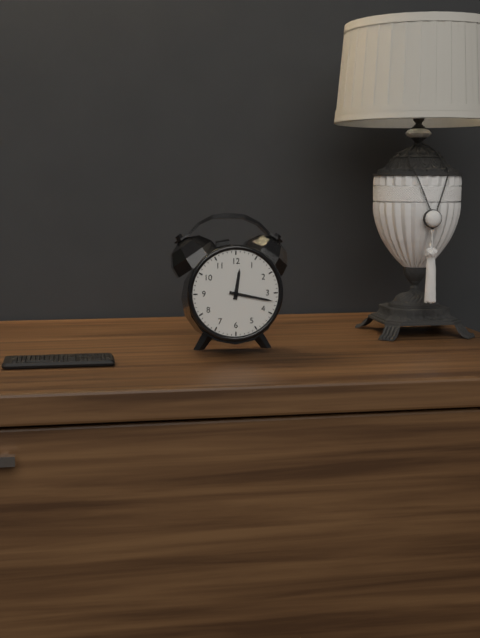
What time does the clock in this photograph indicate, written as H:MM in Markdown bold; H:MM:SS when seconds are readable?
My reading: **12:17**
